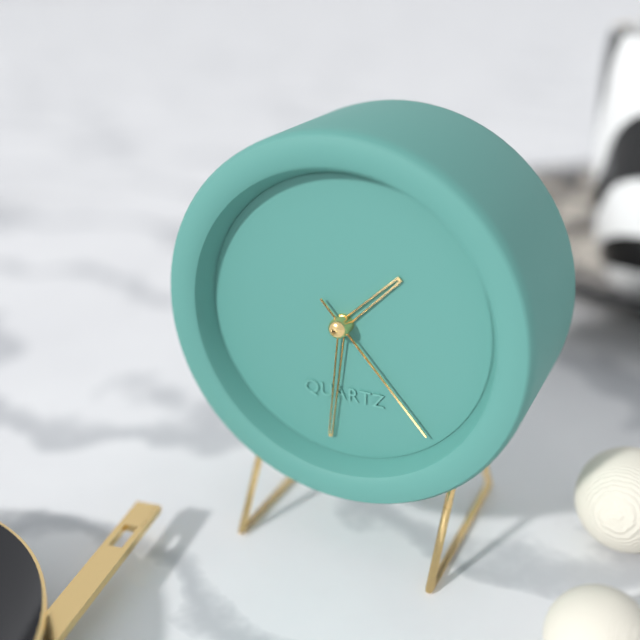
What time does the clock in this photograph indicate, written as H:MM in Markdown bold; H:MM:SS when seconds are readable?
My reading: **1:31:23**
